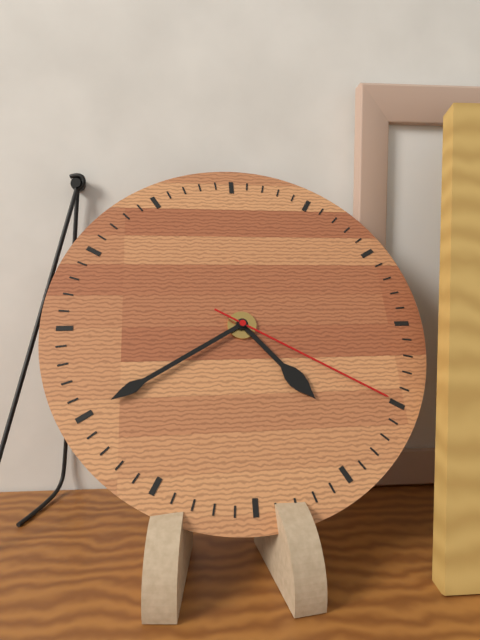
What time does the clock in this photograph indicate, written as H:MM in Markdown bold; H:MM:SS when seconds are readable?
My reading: **4:40:20**
